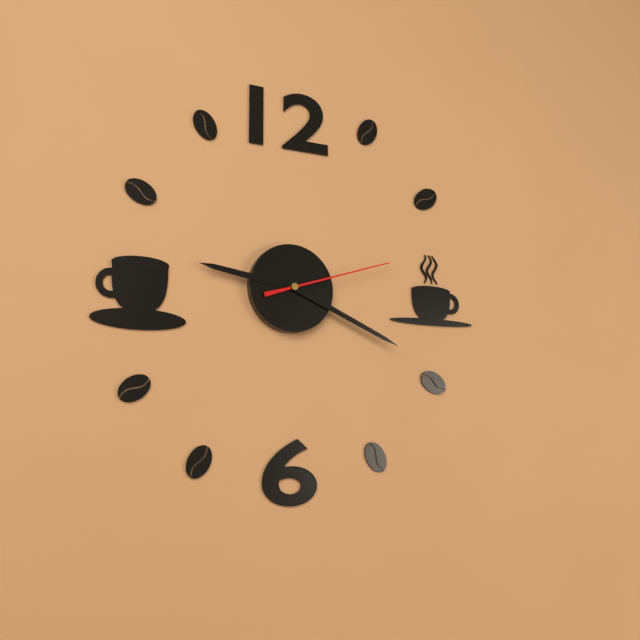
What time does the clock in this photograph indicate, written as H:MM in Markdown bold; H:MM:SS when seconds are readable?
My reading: **9:19:12**
